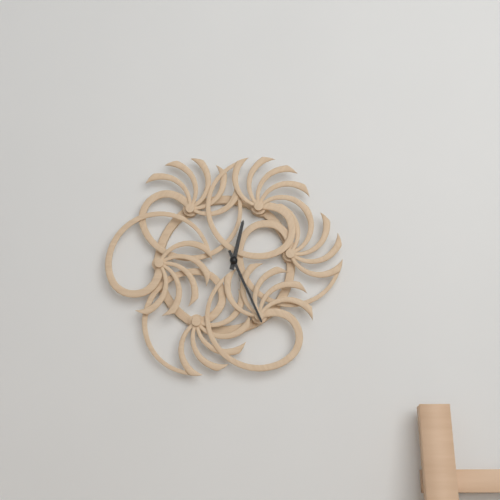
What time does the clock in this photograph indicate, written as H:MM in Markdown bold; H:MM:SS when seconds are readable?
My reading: **12:26**
